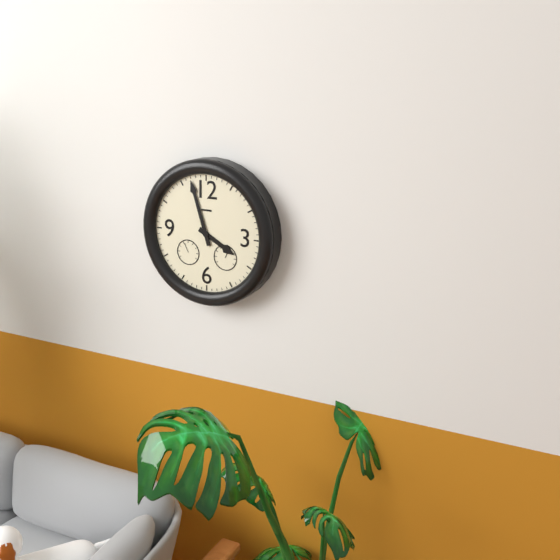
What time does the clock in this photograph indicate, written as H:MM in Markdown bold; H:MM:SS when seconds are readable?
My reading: **3:57**
